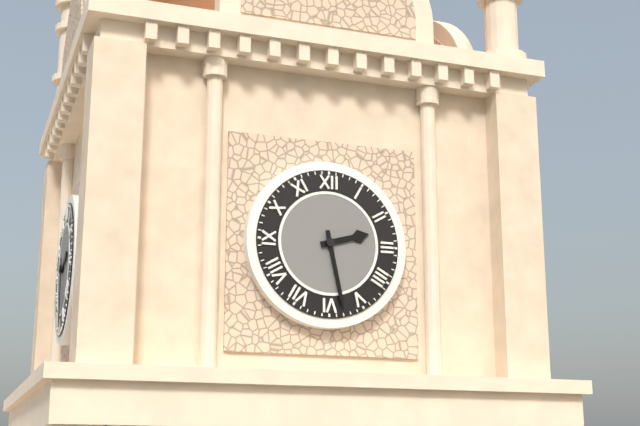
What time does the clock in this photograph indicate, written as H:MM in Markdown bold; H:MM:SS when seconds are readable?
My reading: **2:28**
